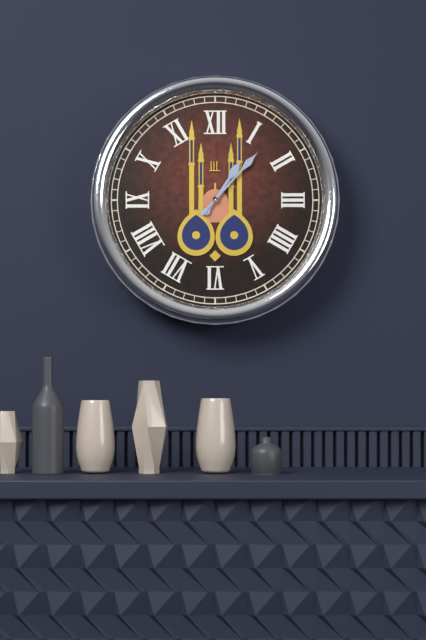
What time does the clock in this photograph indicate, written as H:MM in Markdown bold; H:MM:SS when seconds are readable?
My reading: **1:07**
